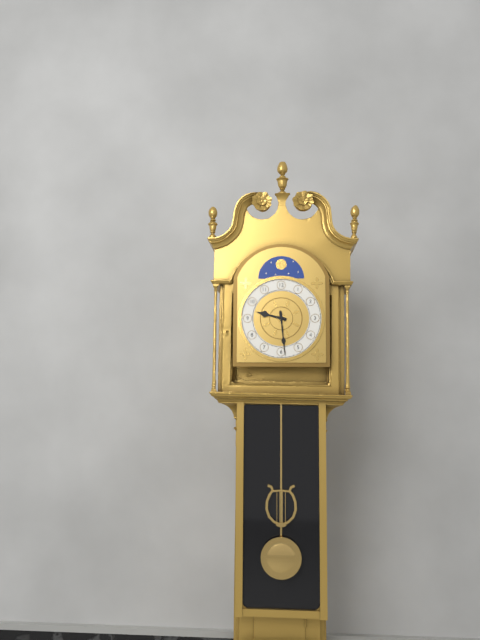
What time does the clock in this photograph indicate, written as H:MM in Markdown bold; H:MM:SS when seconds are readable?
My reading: **9:29**
